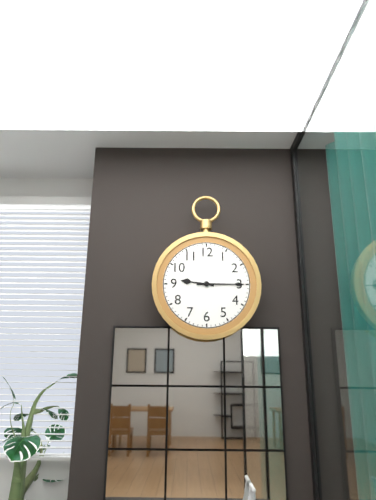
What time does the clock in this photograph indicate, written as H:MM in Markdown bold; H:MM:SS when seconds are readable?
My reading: **9:15**
